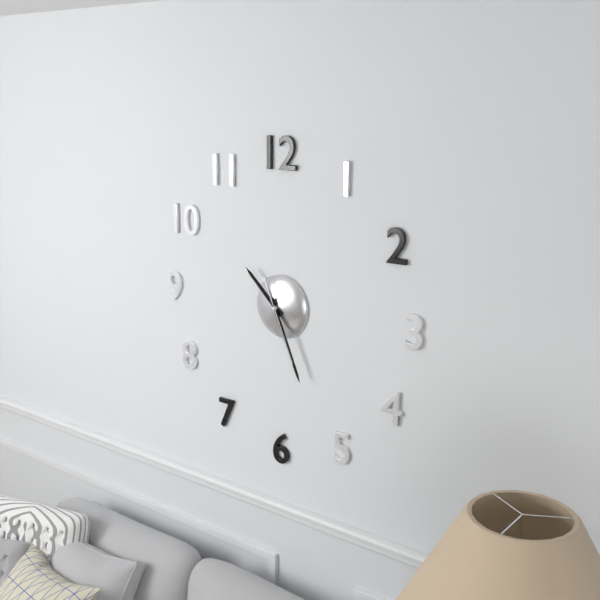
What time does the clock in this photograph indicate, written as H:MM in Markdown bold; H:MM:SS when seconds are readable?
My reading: **10:26:26**
